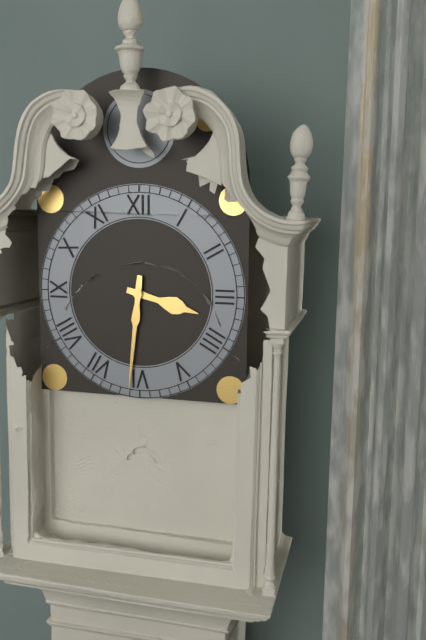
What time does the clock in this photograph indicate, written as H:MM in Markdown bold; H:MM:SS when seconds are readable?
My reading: **3:31**
